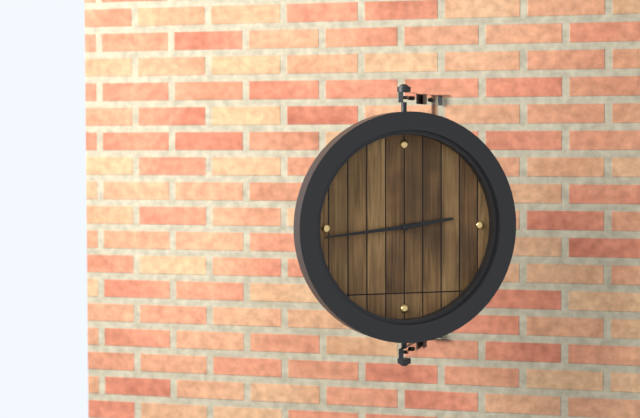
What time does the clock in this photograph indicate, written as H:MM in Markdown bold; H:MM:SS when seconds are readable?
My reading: **2:44**
